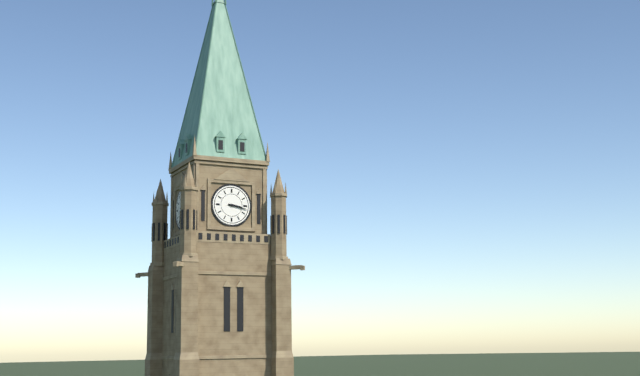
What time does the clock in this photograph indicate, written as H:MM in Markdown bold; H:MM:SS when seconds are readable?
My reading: **3:17**
